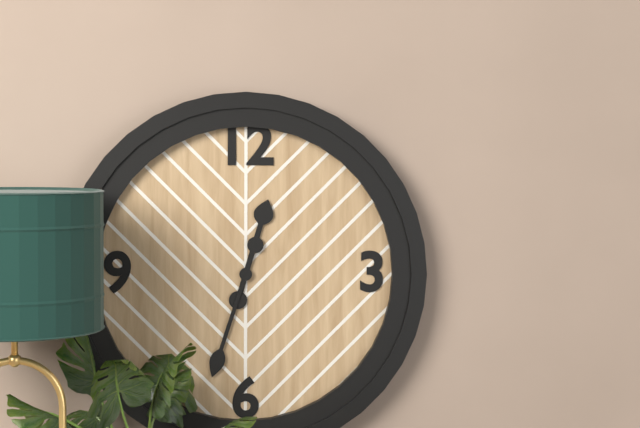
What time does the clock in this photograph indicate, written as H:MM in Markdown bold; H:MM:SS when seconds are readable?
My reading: **12:33**
